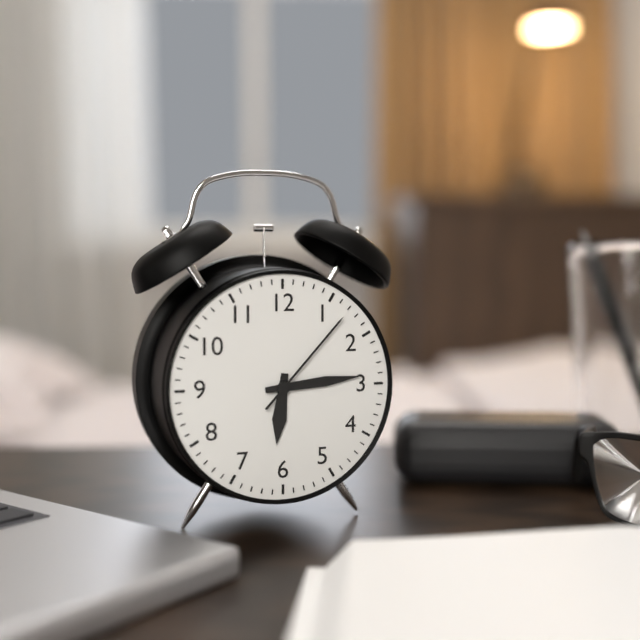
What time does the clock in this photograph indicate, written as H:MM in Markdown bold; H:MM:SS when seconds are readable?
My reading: **6:14:07**
